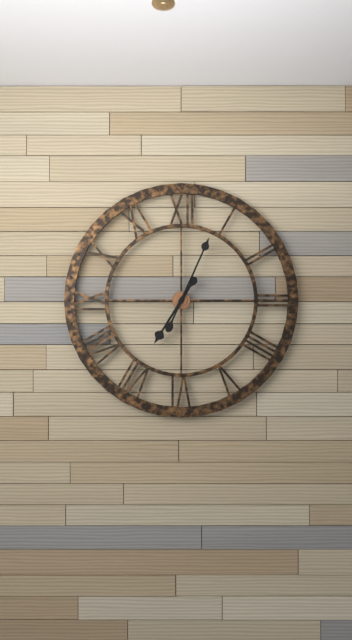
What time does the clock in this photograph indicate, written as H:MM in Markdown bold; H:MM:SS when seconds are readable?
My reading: **7:04**
